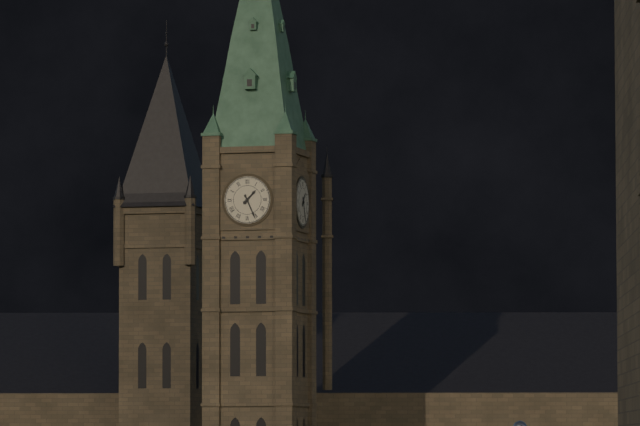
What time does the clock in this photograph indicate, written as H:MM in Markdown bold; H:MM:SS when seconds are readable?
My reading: **1:26**
